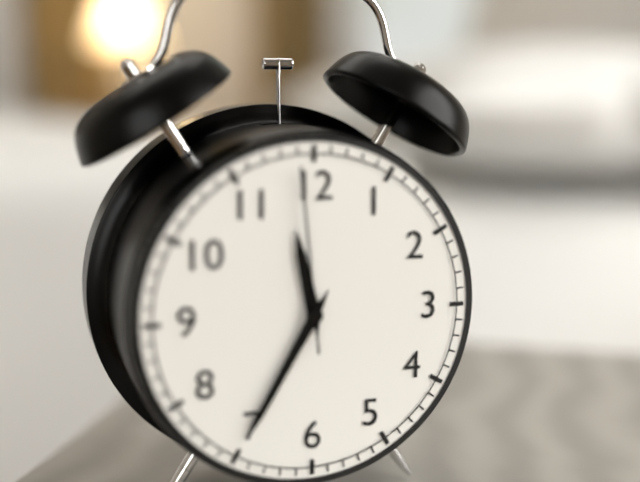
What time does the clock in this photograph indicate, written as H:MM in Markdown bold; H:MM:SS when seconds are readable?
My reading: **11:35:59**
